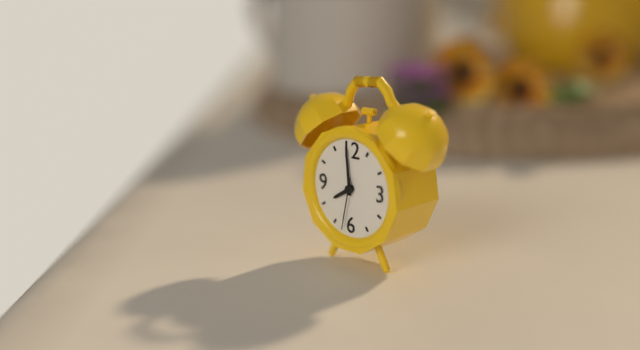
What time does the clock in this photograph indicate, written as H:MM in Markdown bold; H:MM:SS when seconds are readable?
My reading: **7:59:32**
